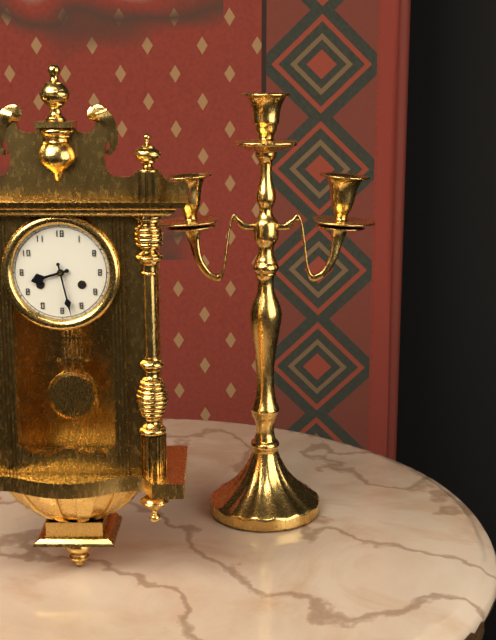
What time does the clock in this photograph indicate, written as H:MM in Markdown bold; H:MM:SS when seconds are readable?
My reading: **8:28**
